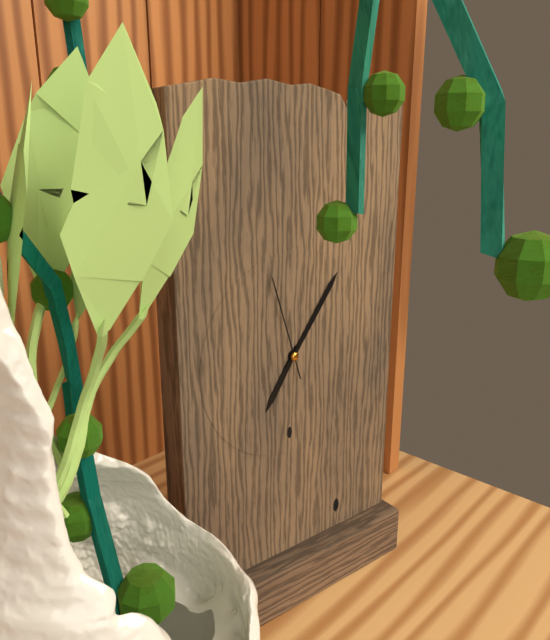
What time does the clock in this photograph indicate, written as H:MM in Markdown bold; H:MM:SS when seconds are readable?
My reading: **7:06:57**
